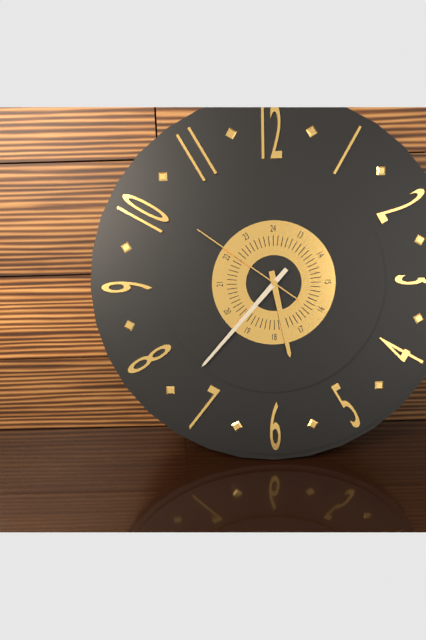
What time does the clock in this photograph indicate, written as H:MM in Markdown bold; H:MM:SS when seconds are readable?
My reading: **5:37:51**
